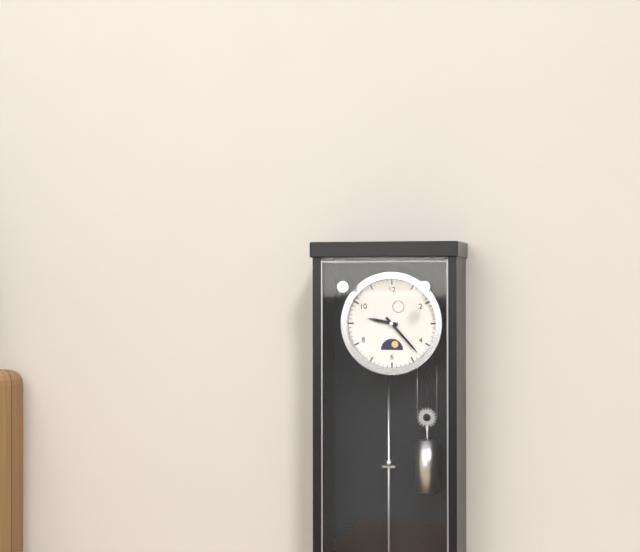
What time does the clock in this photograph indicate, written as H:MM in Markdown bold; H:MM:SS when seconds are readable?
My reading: **9:23**
